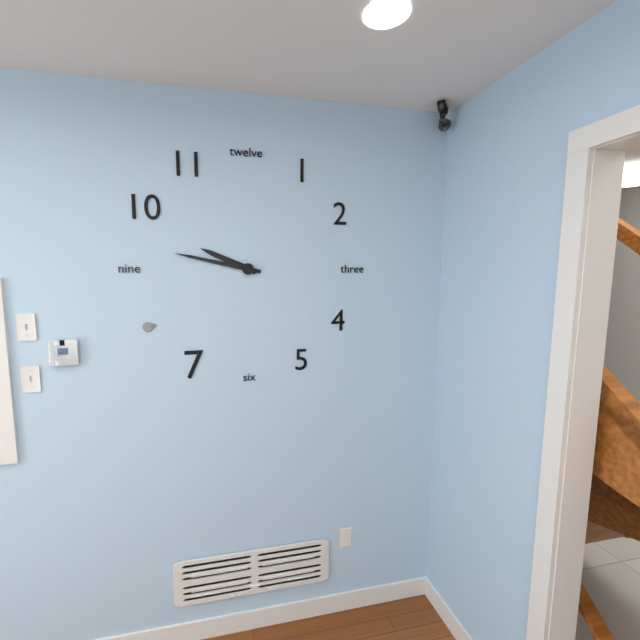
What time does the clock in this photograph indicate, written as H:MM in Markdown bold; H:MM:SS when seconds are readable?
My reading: **9:47**
